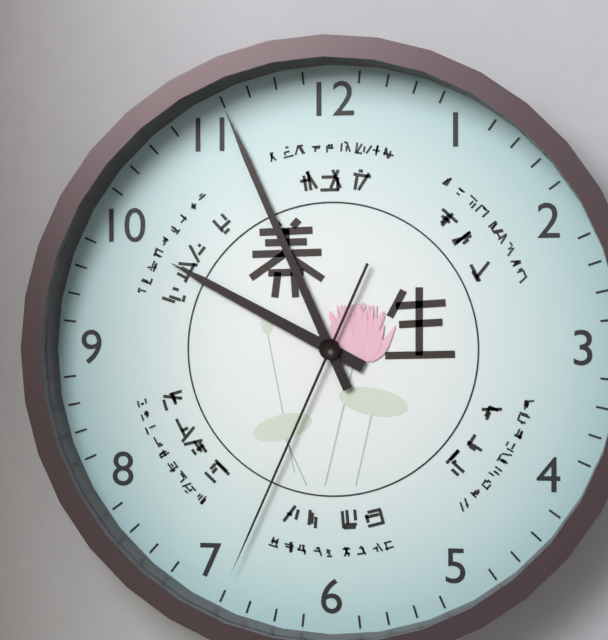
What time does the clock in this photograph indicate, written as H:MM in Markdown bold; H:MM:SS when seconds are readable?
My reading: **9:56:34**
